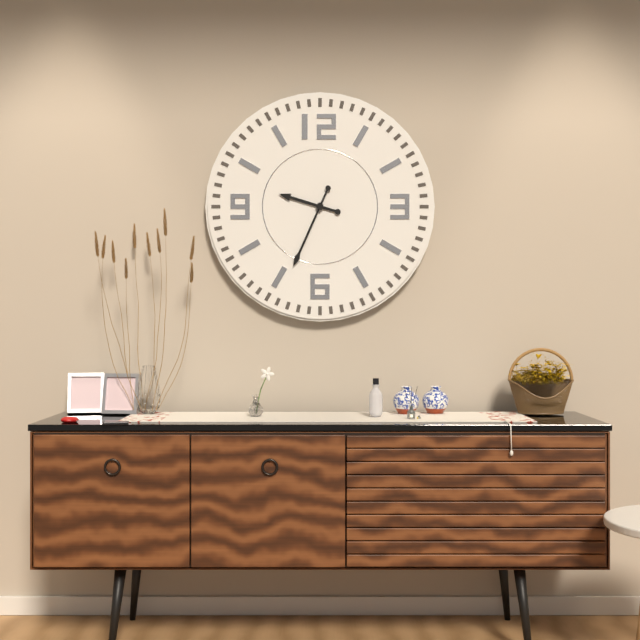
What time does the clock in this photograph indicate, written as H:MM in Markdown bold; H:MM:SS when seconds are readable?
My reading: **9:34**
